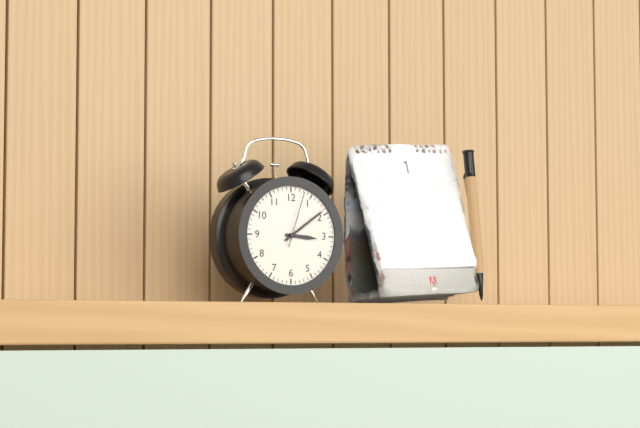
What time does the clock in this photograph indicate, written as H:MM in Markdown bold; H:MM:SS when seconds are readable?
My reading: **3:09:03**
